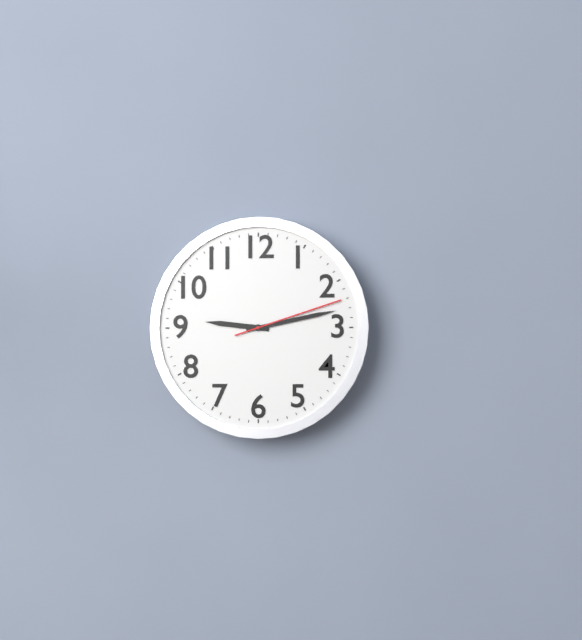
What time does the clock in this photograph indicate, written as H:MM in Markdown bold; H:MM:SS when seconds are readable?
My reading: **9:13:12**
